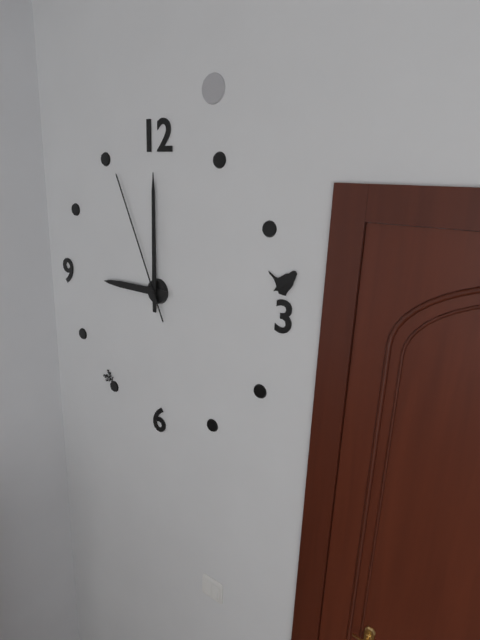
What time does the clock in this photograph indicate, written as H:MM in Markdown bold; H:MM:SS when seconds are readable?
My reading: **9:00:56**
